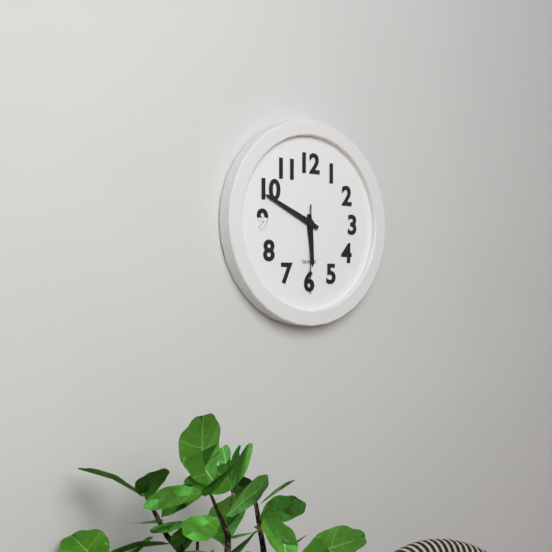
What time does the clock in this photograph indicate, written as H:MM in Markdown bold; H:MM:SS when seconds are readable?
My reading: **5:49:30**
